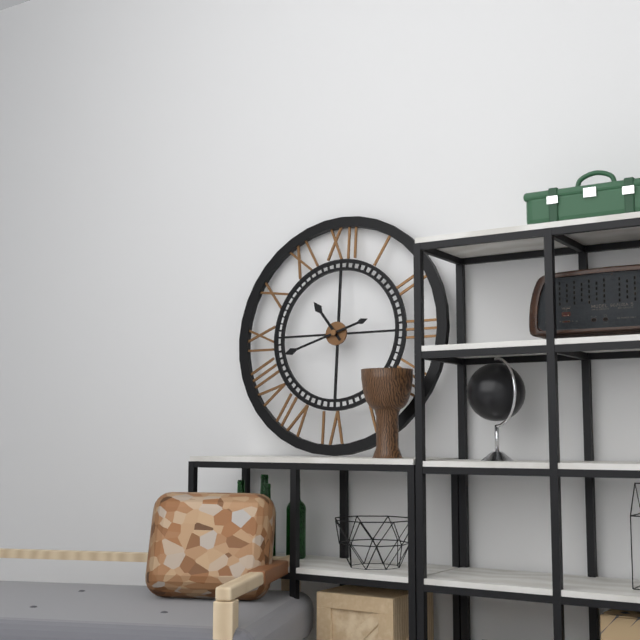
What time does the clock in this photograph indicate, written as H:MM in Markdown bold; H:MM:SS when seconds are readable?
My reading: **10:42**
